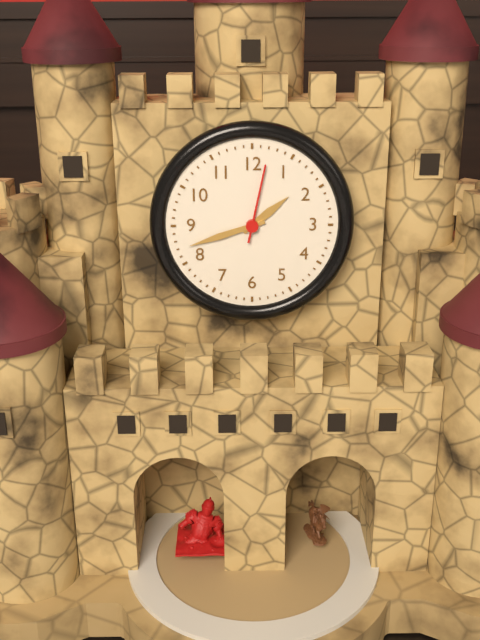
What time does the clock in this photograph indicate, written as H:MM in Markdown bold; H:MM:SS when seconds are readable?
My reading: **1:42:02**
